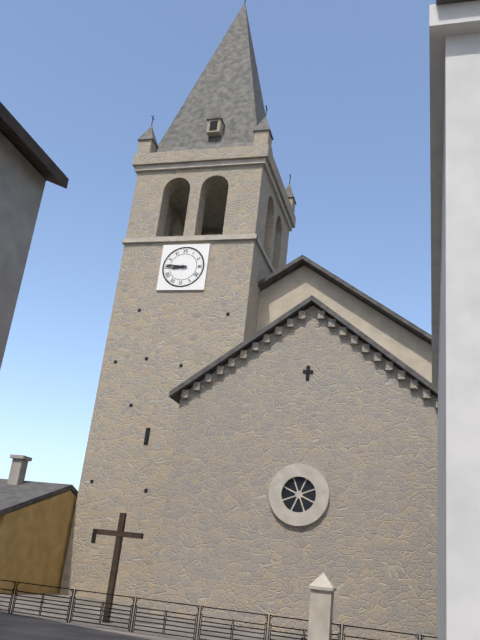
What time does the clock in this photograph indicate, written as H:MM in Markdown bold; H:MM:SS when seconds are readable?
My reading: **8:46**
